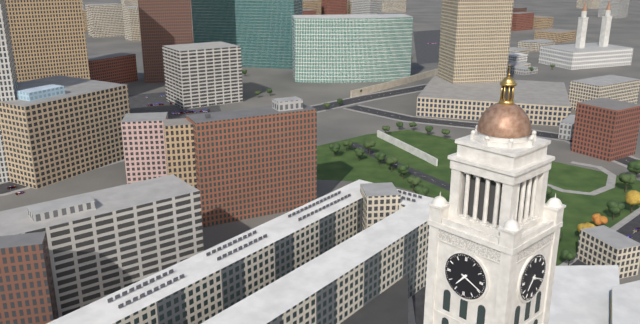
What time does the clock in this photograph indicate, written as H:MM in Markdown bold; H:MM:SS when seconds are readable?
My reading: **7:19**
